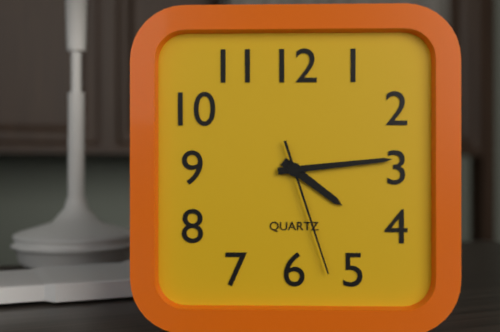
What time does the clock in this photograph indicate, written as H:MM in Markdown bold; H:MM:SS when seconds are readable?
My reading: **4:14:27**
